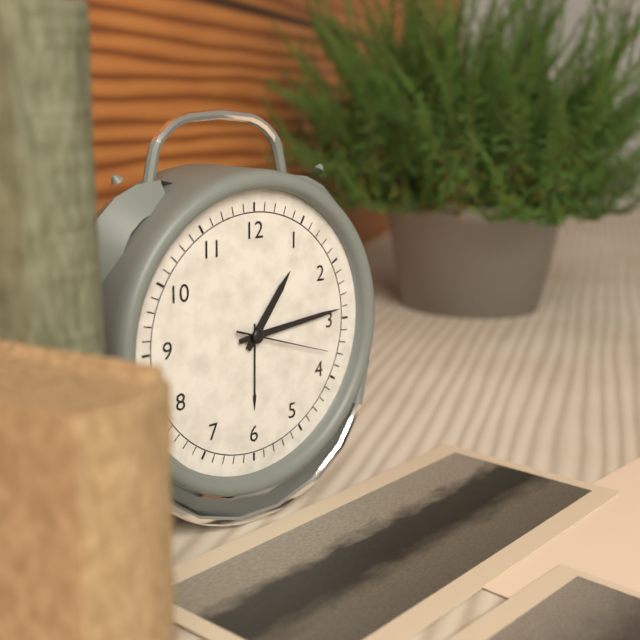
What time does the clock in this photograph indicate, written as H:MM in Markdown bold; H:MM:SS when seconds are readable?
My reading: **1:14:18**
